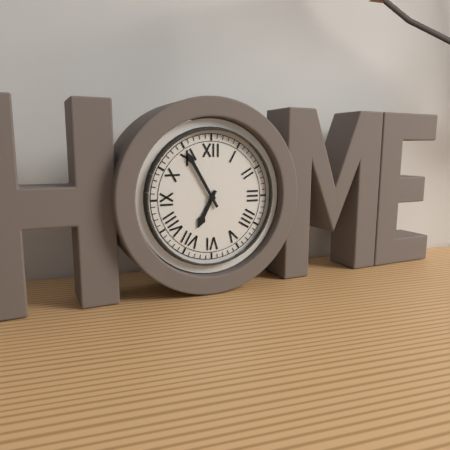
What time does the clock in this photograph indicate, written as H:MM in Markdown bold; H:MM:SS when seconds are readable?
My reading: **6:55**
